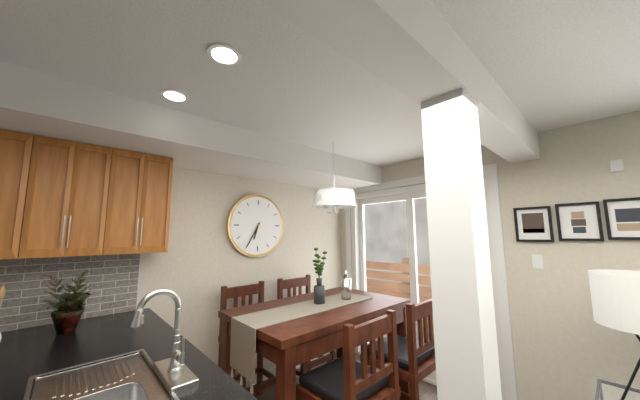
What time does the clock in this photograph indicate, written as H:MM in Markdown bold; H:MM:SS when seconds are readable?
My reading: **6:35**
